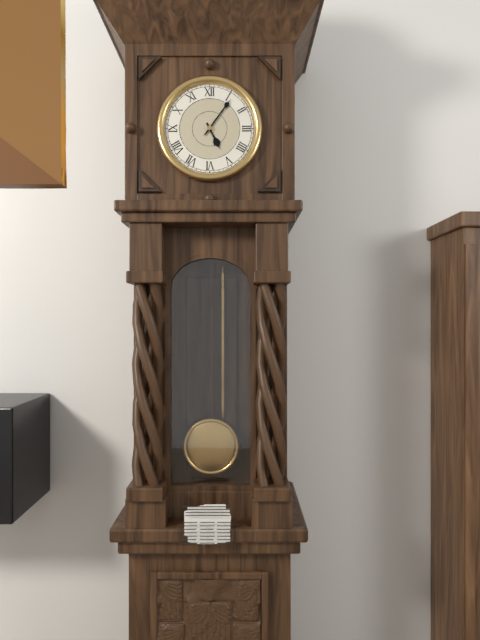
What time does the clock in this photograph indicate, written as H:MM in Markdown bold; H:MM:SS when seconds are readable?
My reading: **5:06**
